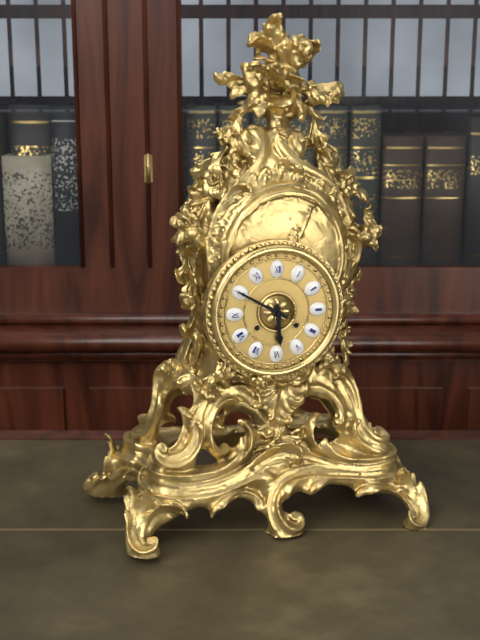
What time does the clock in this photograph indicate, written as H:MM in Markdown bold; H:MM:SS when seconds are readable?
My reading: **5:50**
